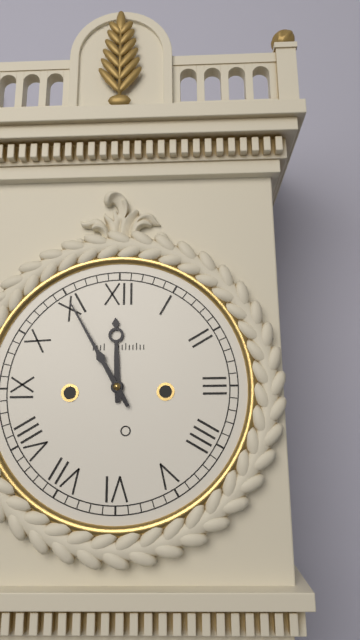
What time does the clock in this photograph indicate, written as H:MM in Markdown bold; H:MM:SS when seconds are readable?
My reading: **11:55**
